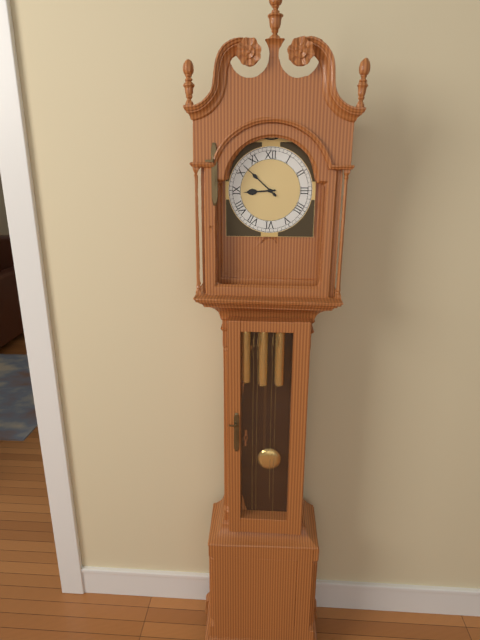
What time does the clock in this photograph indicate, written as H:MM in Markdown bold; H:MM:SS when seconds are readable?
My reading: **8:52**
